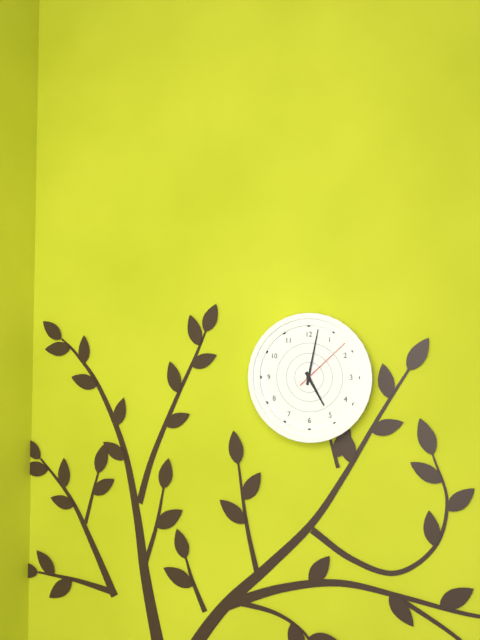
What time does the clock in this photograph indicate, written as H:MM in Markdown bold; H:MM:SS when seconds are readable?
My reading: **5:02:08**
